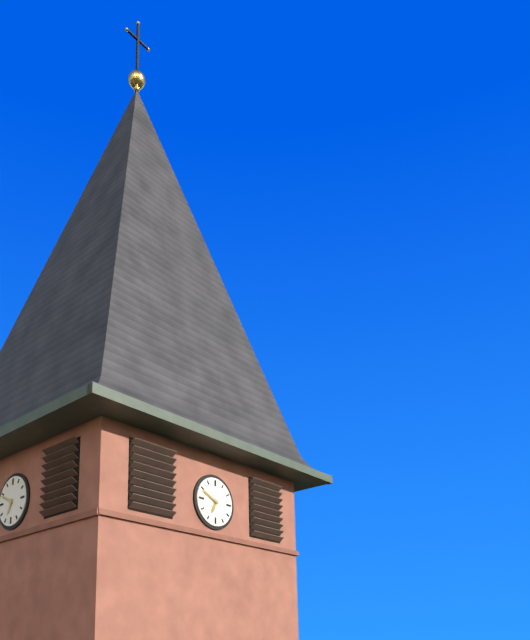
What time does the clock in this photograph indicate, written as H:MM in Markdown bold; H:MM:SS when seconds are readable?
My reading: **6:49**
